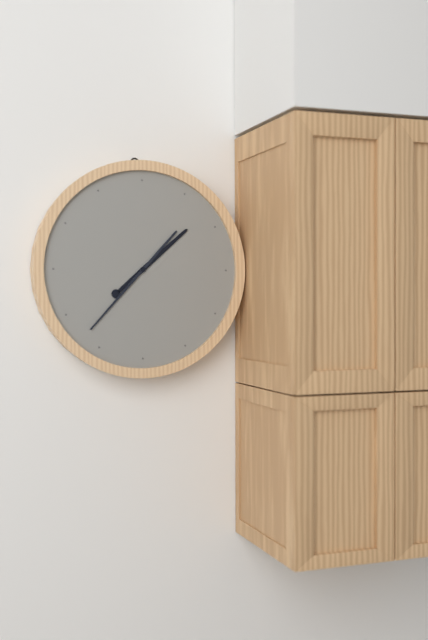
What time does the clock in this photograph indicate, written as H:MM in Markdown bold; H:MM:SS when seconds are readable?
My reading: **1:37**
